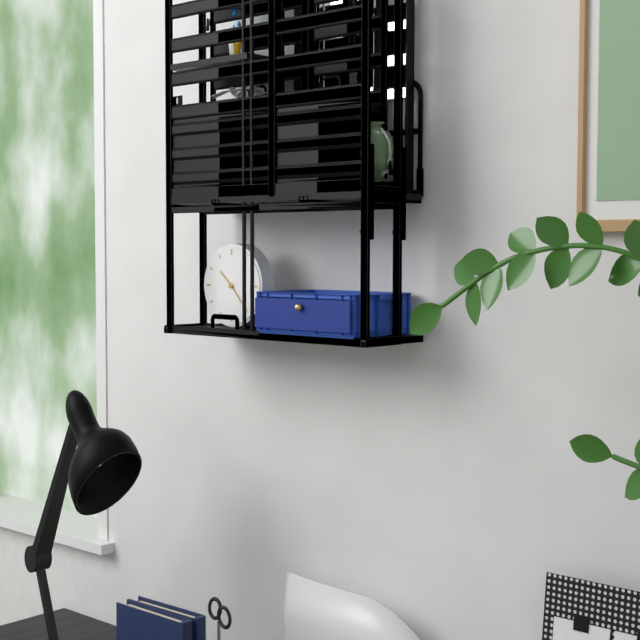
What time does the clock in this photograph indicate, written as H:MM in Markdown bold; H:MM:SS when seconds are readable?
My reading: **10:23**
